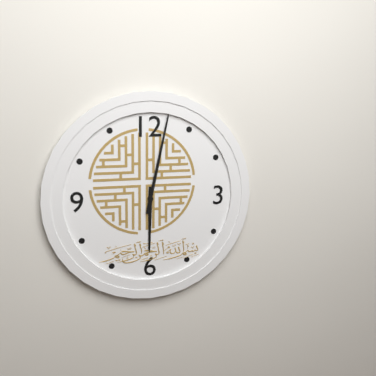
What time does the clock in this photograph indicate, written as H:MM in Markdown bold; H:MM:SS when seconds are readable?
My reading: **6:02**
